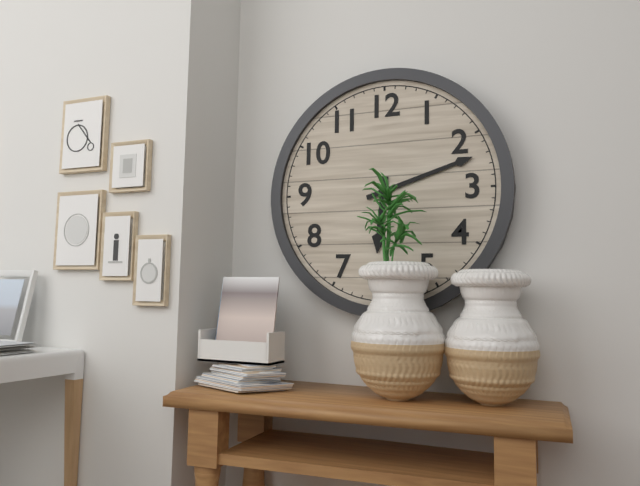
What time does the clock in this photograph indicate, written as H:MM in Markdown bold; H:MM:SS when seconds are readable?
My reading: **6:12**
